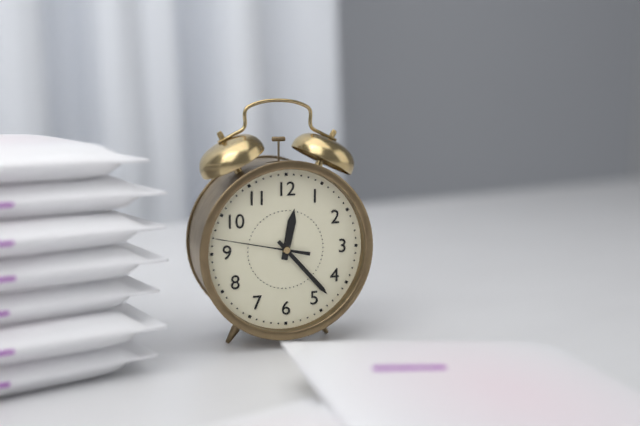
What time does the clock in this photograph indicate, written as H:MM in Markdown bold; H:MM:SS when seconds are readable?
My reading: **12:23:47**
